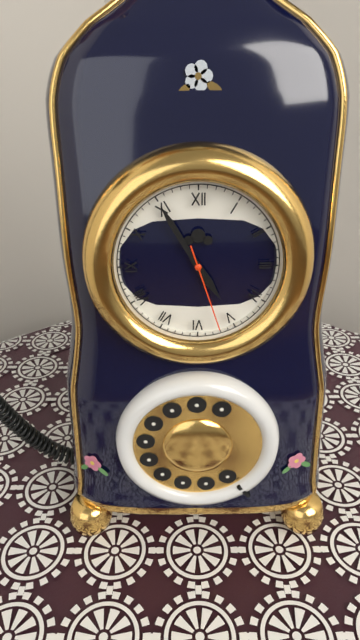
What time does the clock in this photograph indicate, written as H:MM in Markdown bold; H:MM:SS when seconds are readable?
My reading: **4:55:27**
